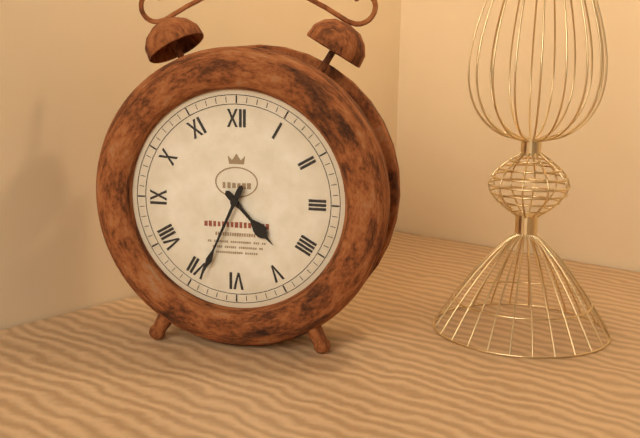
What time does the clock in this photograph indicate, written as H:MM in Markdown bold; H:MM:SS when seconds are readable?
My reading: **4:34**
